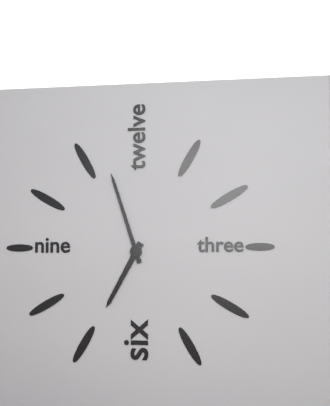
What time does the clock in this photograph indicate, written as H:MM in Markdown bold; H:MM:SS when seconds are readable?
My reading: **6:57**
